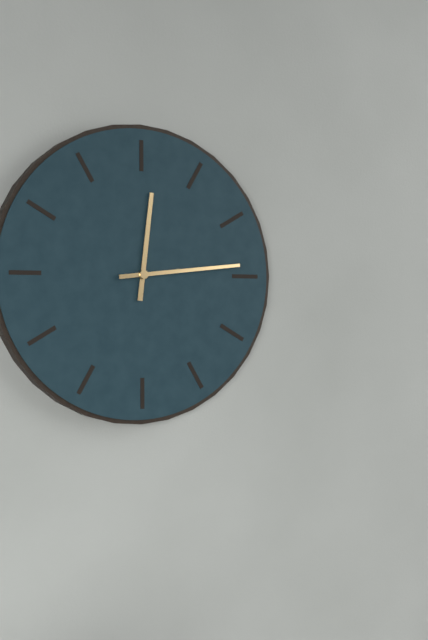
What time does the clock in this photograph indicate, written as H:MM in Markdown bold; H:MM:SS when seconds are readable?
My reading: **12:14**
